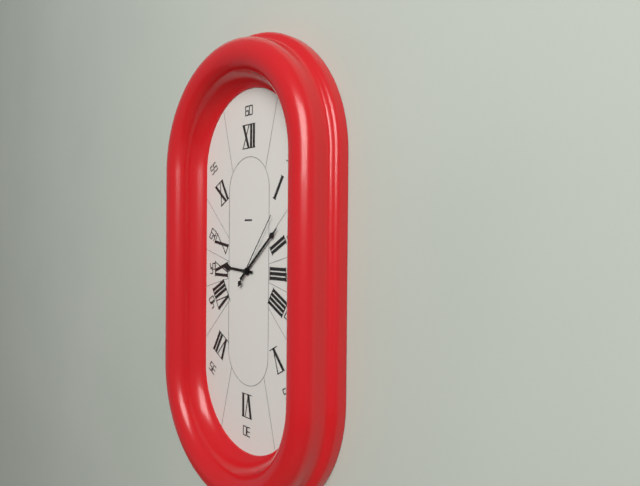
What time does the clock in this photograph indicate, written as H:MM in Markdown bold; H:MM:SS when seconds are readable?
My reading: **9:08:06**
